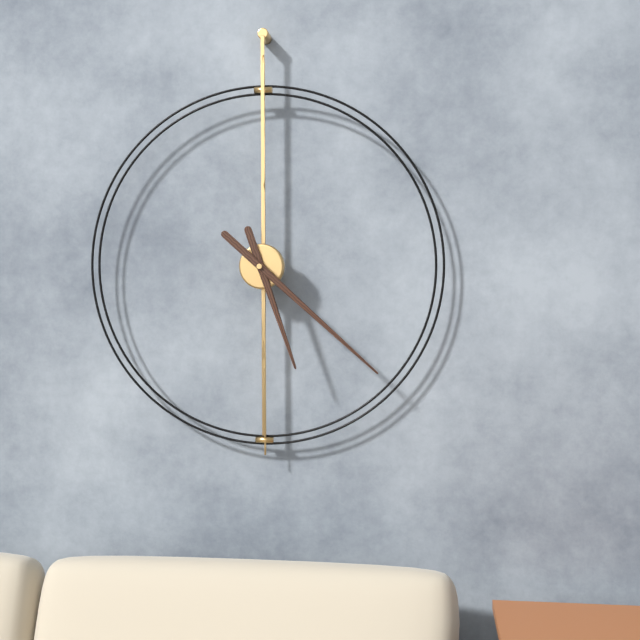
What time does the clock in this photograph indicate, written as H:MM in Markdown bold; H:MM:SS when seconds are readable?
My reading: **5:22**
